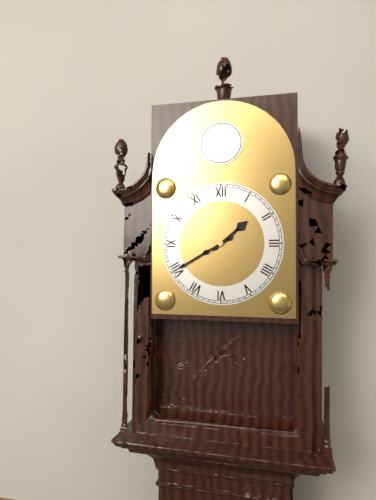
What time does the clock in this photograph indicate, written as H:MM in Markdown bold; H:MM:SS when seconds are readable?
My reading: **1:40**
